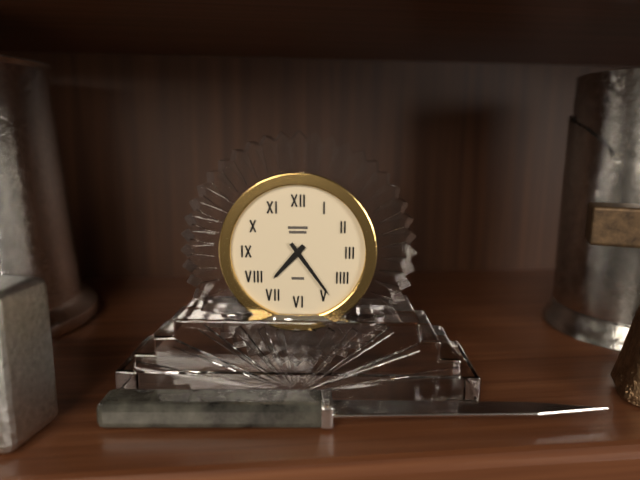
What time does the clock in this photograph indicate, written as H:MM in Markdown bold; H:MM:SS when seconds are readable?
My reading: **7:24**
